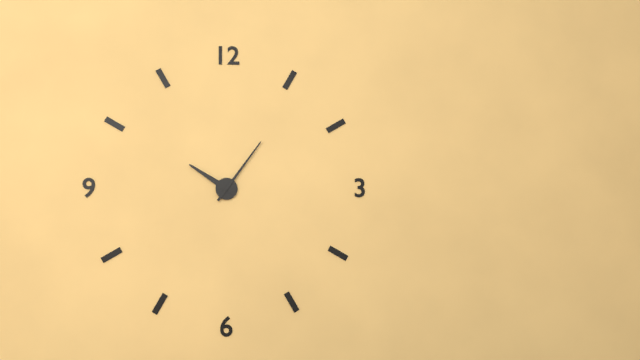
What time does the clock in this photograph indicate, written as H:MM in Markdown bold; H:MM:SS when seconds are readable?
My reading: **10:06**
